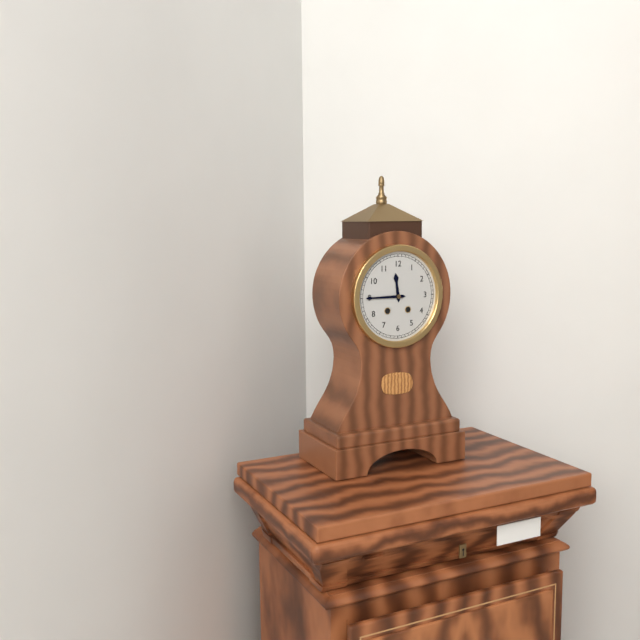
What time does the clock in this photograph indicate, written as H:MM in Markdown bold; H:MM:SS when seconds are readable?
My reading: **11:45**
